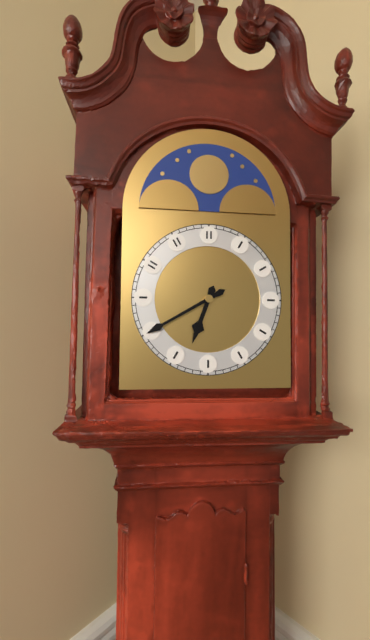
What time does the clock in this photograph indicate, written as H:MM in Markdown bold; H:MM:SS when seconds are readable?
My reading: **6:40**
